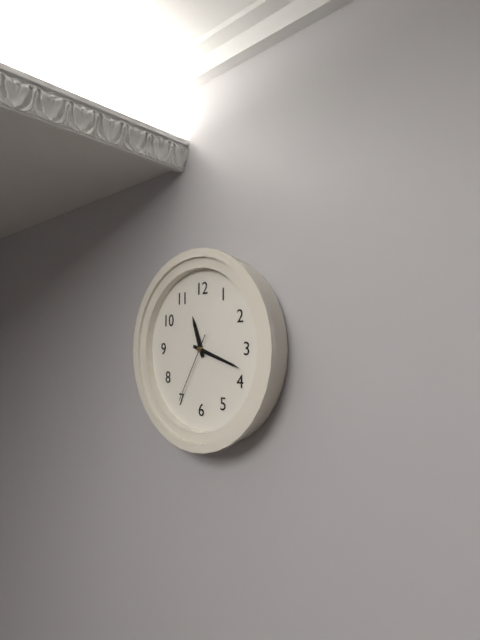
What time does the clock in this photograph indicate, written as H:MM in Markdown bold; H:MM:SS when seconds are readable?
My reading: **11:18:35**
